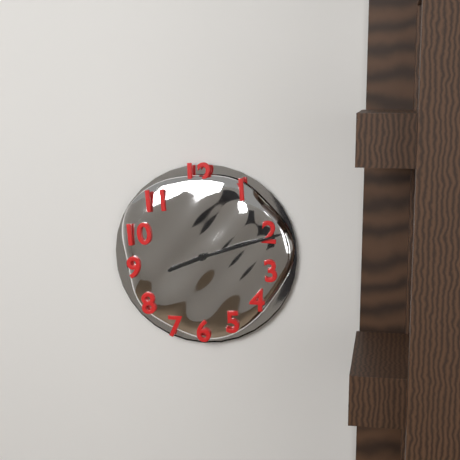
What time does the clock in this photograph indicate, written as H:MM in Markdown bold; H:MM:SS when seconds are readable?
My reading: **8:12**
